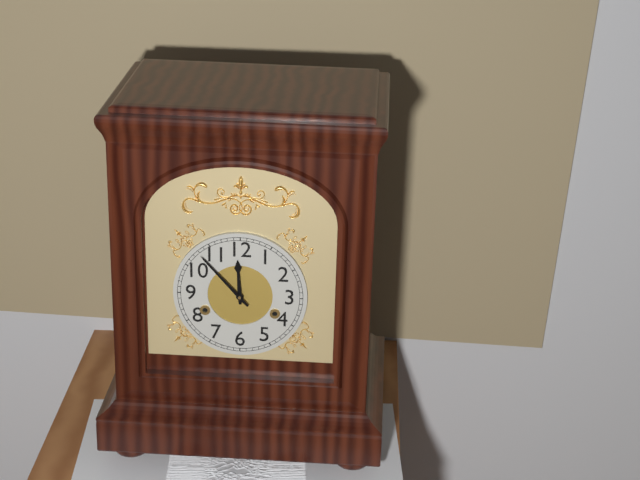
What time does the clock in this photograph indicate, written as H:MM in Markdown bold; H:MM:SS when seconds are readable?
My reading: **11:53**
